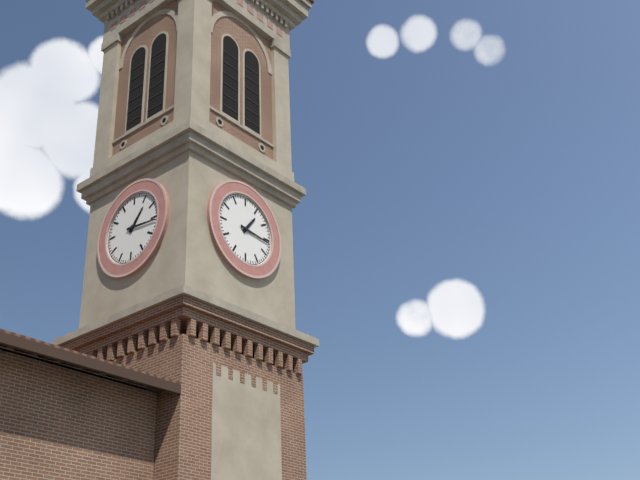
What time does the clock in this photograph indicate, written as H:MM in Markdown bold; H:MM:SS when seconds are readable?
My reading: **1:16**
